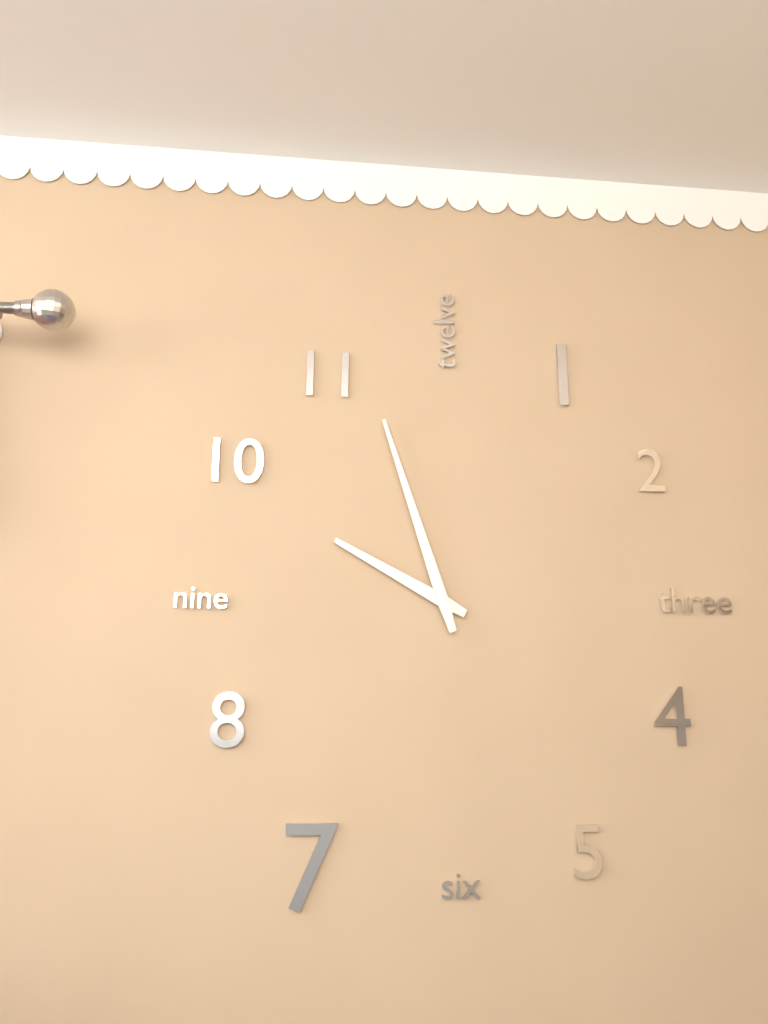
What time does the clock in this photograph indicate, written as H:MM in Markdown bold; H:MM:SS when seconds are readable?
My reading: **9:57**
